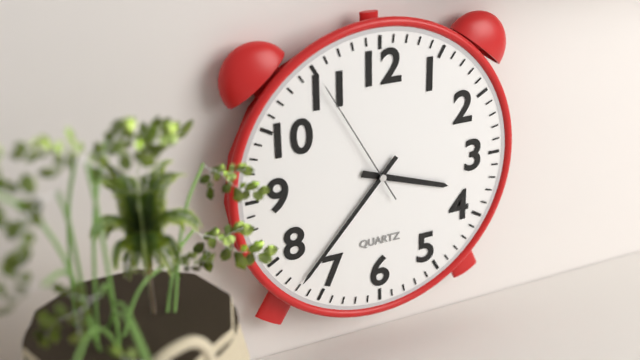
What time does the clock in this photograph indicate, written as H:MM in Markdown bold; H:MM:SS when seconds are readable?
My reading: **3:37:55**
